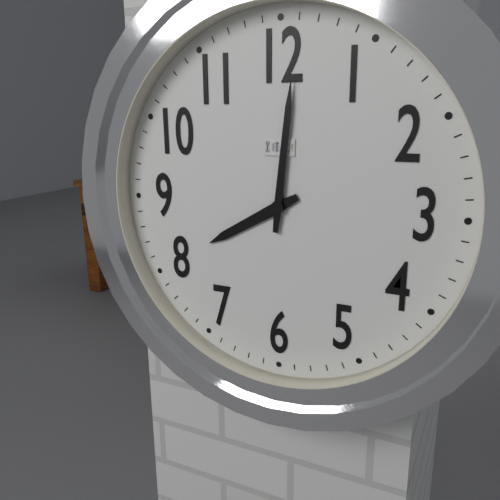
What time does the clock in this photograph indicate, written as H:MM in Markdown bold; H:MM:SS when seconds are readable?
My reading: **8:01**
